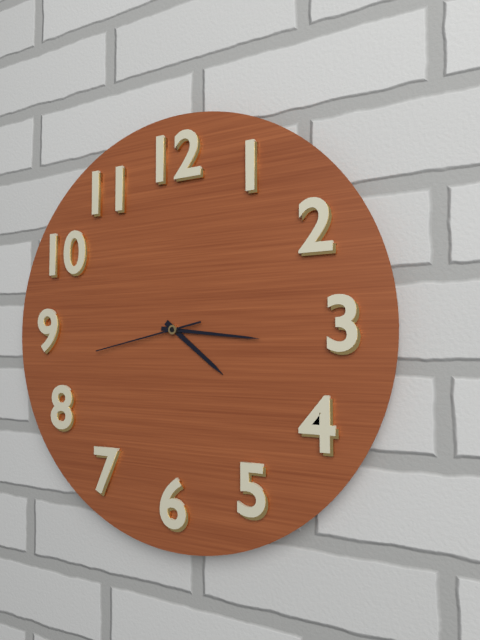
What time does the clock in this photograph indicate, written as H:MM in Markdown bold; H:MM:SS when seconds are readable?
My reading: **4:16:43**
